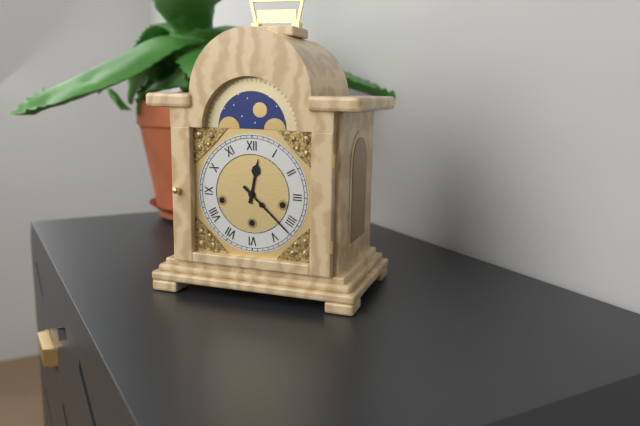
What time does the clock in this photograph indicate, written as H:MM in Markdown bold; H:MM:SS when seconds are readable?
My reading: **12:22**
